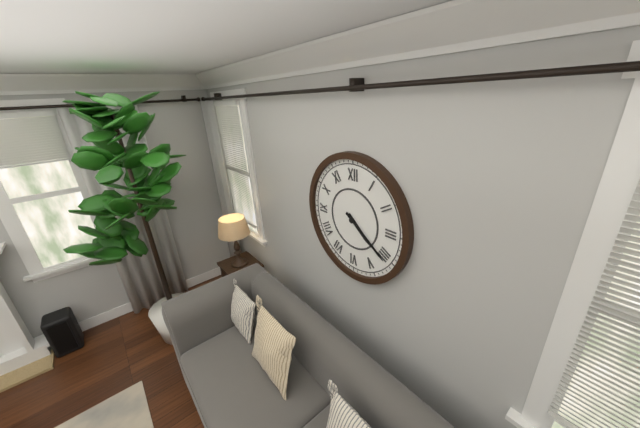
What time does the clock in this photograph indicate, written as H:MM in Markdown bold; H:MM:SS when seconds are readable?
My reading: **4:21**
